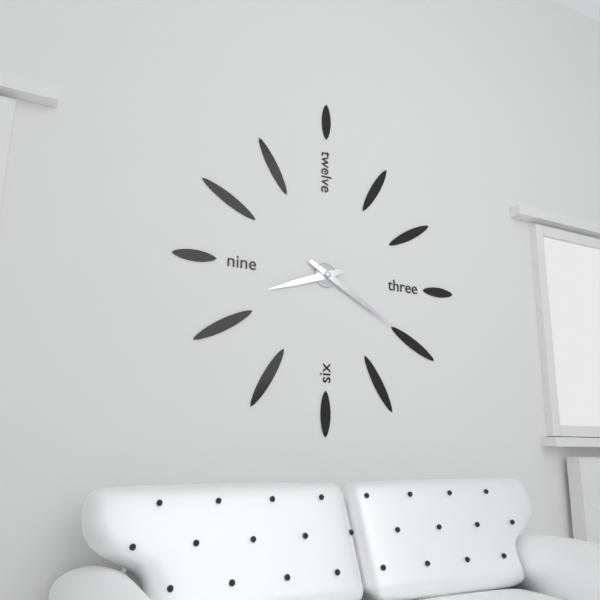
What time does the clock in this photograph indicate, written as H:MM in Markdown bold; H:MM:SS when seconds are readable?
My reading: **8:20**
